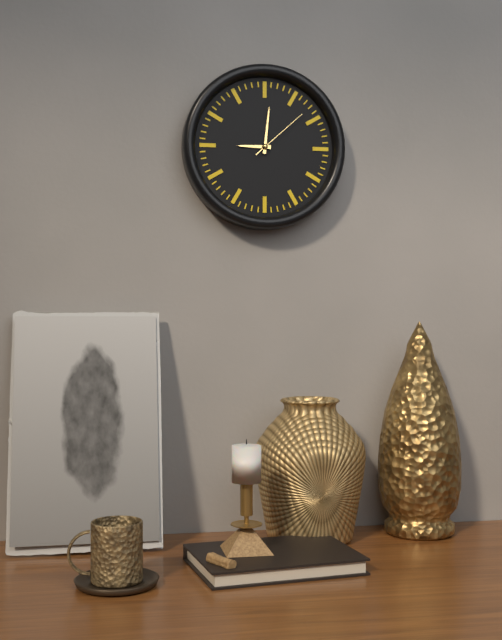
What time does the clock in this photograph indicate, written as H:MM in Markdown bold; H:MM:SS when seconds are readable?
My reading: **9:01:08**
